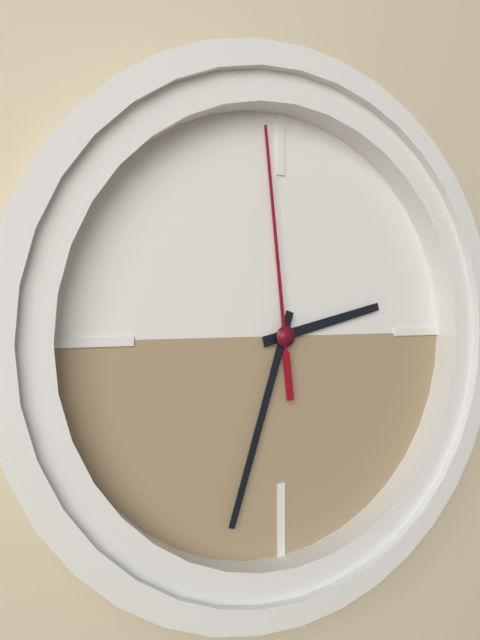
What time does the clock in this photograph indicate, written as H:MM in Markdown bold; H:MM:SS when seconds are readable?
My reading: **2:33:59**
